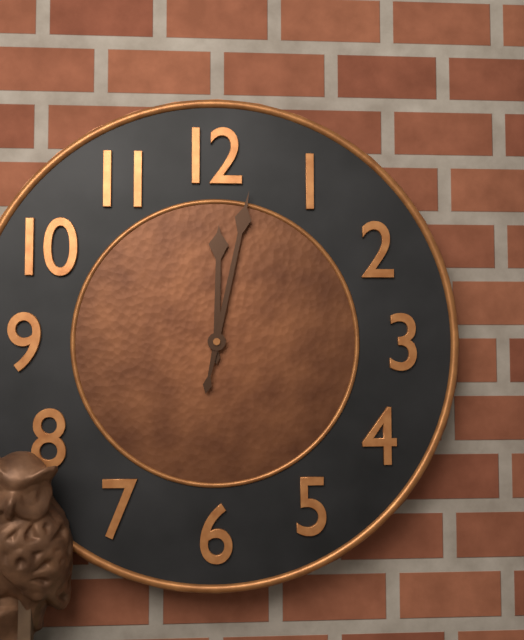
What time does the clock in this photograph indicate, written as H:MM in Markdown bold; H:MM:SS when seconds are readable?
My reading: **12:02**
